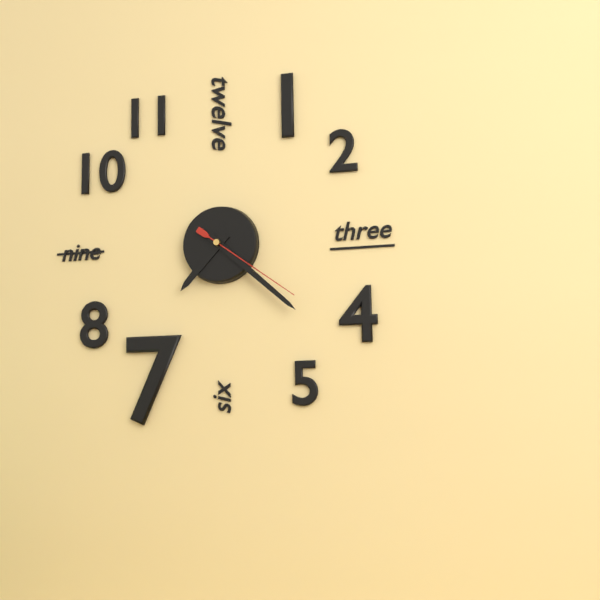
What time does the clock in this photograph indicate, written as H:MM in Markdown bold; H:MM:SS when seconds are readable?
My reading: **7:22:21**
